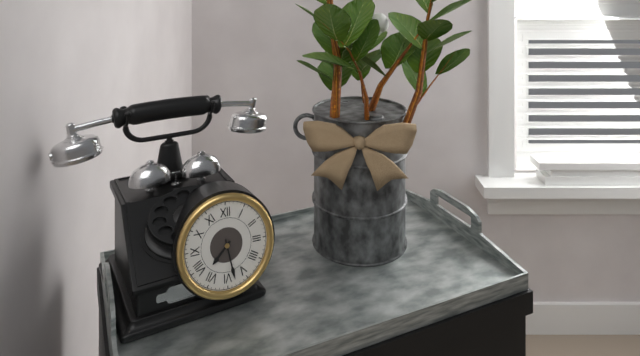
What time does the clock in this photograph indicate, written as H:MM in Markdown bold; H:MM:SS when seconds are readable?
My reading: **7:28**
